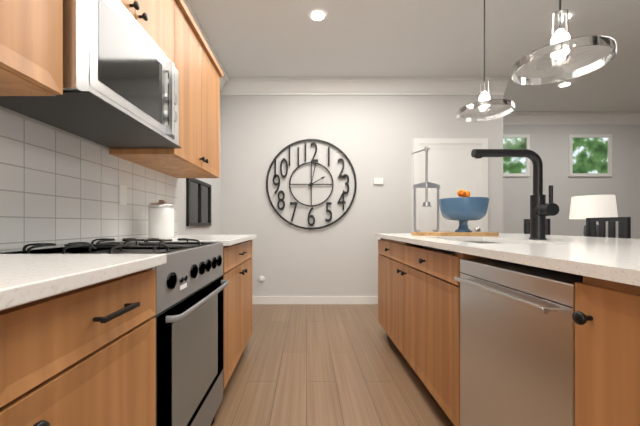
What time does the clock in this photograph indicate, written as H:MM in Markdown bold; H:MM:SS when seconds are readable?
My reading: **2:02**
